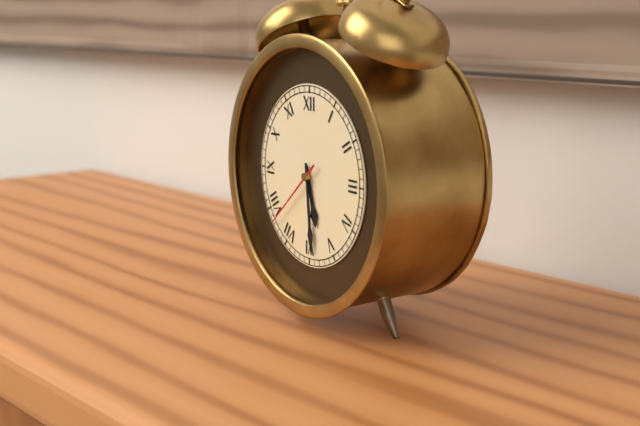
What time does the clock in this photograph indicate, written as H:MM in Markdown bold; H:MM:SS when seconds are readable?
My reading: **5:29:38**
